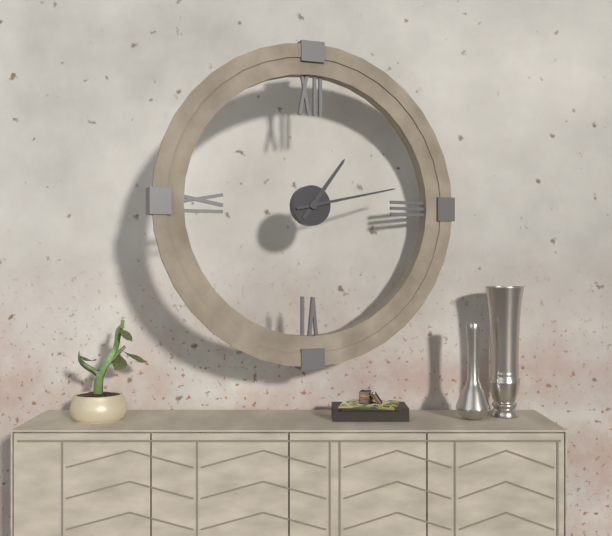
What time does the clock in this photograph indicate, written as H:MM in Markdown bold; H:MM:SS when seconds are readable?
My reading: **1:13**
